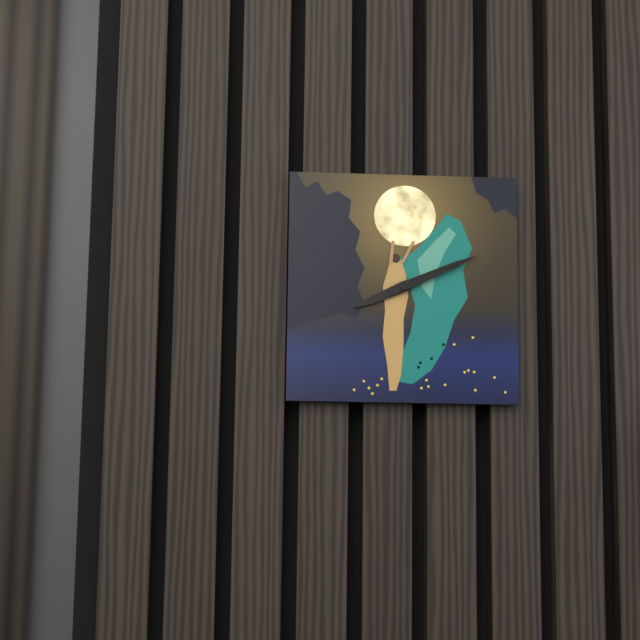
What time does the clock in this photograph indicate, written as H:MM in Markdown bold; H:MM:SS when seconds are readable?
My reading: **8:11**
